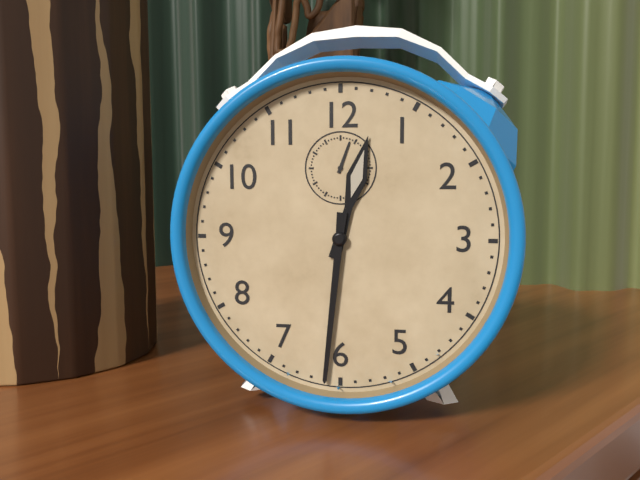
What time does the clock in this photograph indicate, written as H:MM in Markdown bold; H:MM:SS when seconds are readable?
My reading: **12:31**
